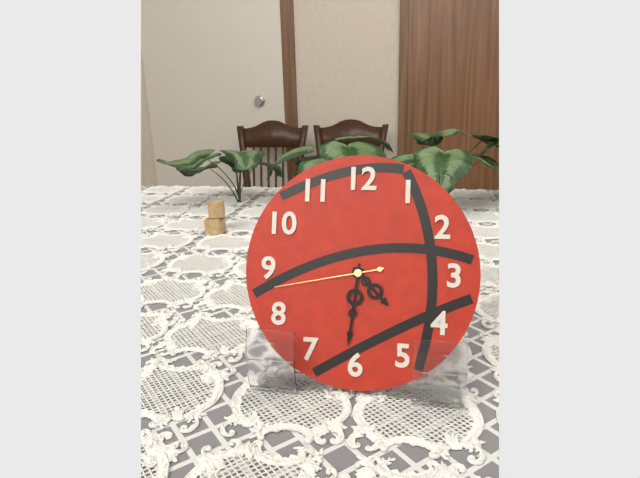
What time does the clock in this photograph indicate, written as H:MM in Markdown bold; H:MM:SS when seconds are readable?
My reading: **4:31:43**
